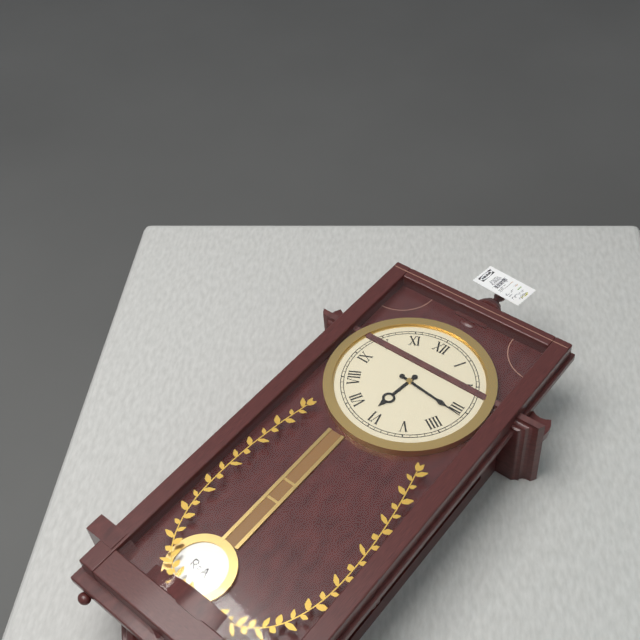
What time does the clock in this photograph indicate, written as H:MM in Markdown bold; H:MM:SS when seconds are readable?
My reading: **6:16**
